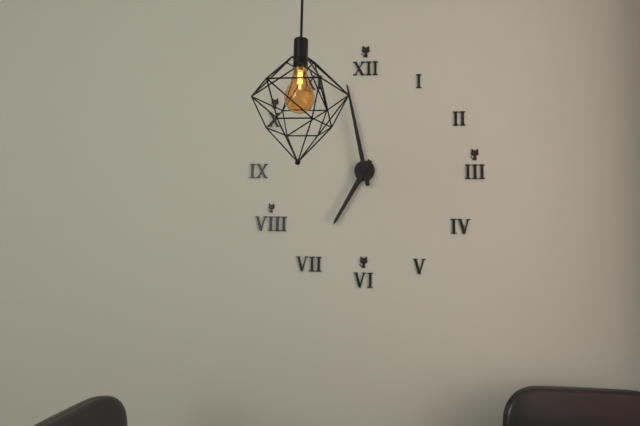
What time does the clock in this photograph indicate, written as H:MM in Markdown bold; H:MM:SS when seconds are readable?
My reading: **6:58**
